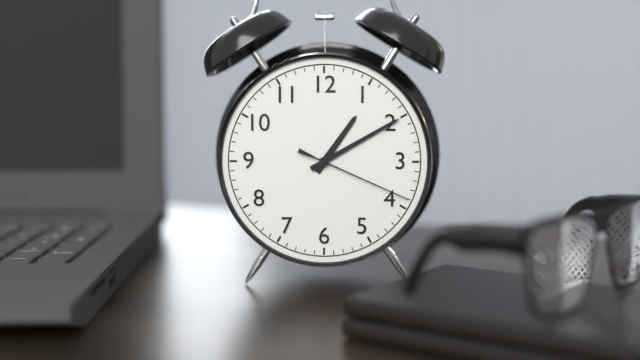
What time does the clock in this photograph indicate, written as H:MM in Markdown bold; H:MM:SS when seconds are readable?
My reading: **1:10:19**
